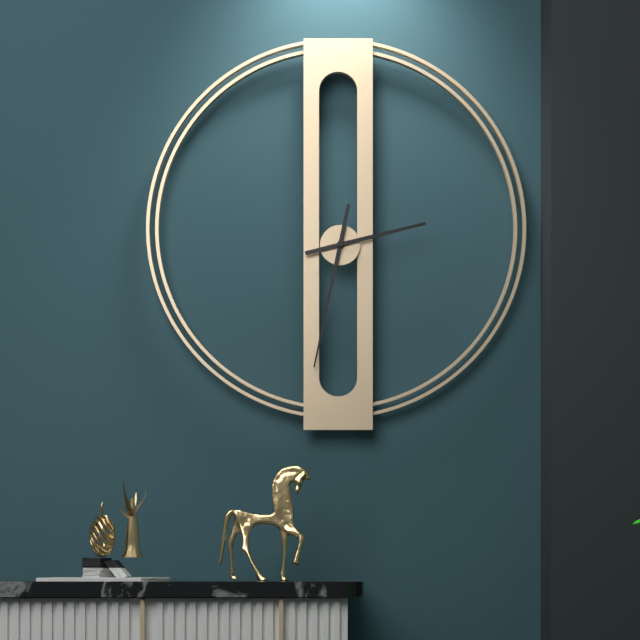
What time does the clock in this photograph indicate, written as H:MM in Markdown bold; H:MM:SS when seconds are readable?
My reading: **2:32**
